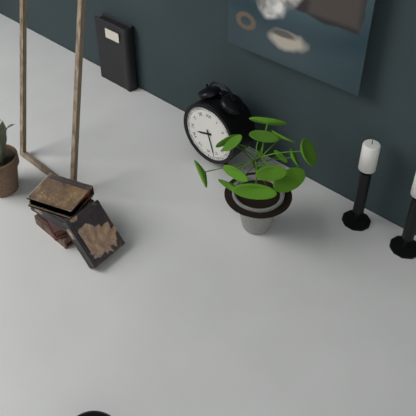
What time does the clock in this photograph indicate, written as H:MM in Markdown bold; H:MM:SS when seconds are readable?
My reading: **8:27**
